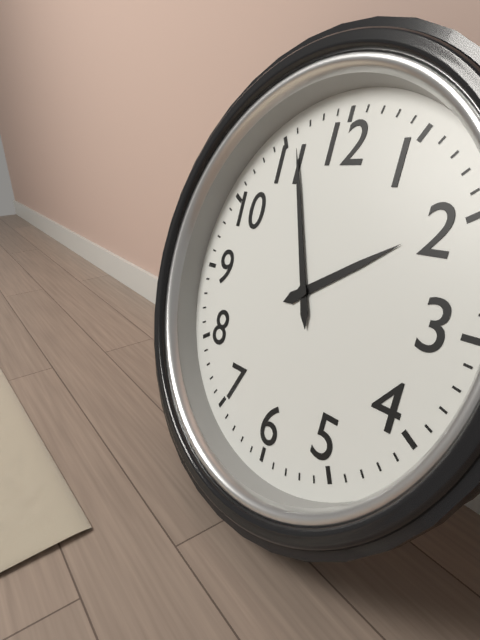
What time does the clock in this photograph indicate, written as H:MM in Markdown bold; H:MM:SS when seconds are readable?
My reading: **1:56**
